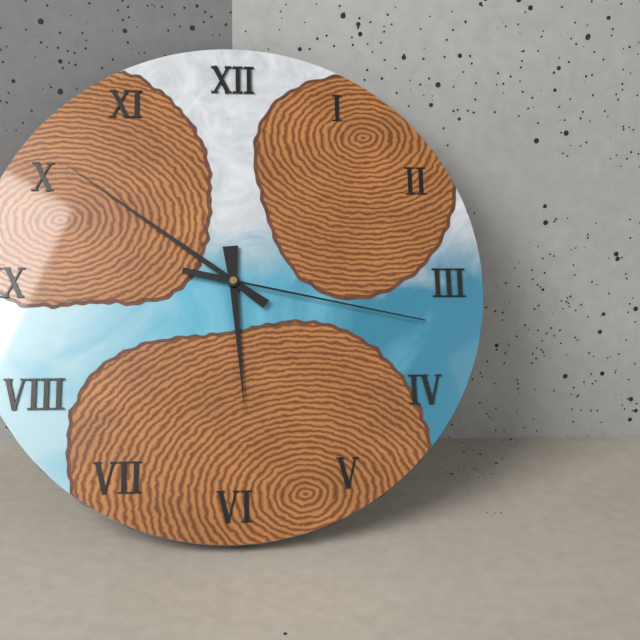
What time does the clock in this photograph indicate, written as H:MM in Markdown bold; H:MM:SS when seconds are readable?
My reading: **5:51:17**
